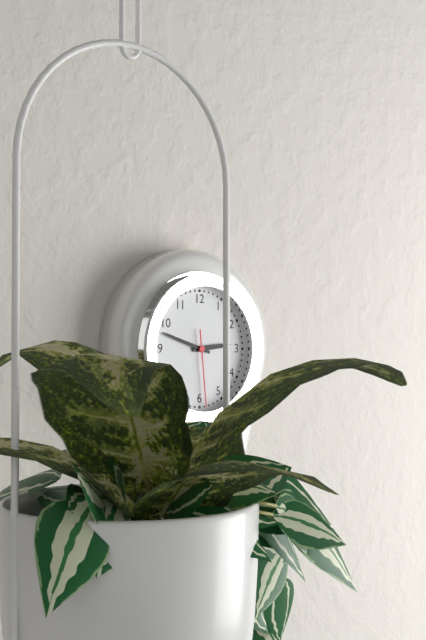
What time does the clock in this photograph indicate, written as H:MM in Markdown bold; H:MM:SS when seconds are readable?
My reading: **2:48:29**
